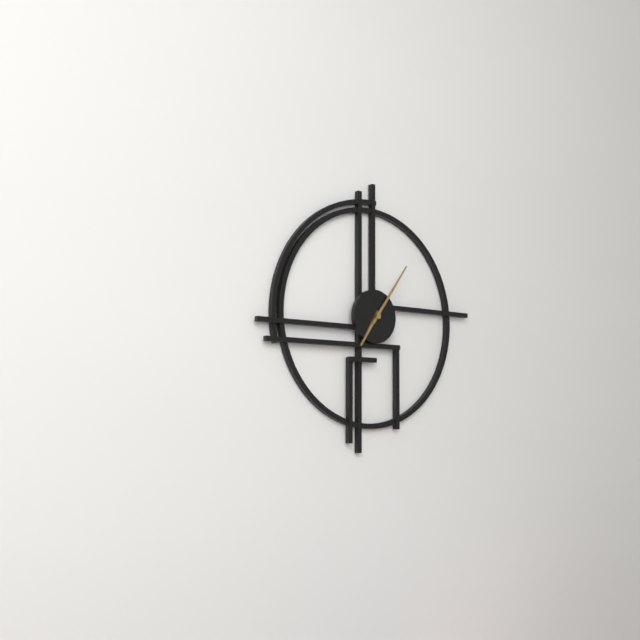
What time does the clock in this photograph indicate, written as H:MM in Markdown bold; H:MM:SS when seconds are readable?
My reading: **7:06**
